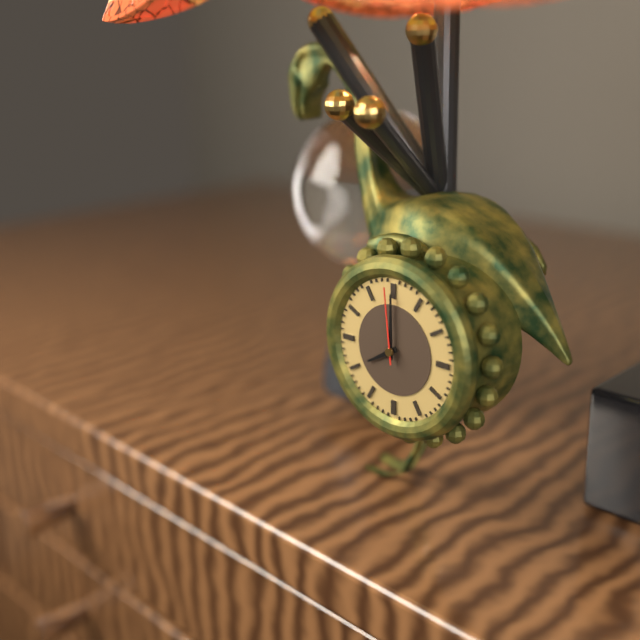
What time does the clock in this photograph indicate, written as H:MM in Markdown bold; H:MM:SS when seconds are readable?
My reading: **8:00:59**
